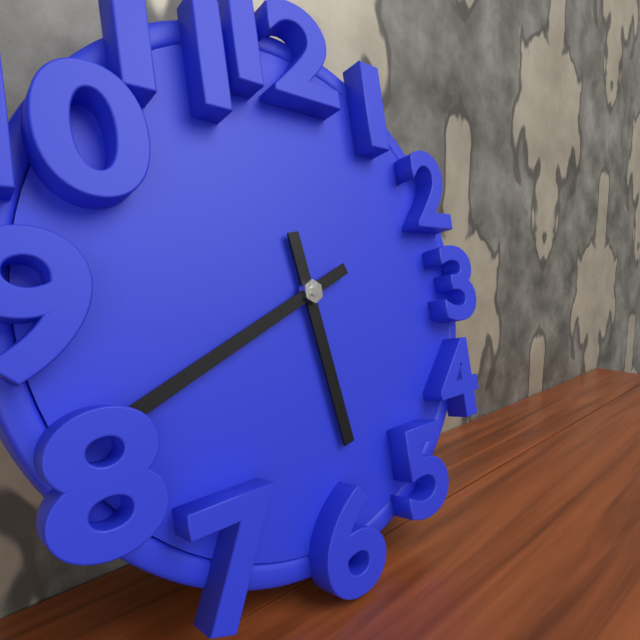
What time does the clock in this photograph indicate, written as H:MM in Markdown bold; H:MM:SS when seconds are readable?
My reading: **5:41**
